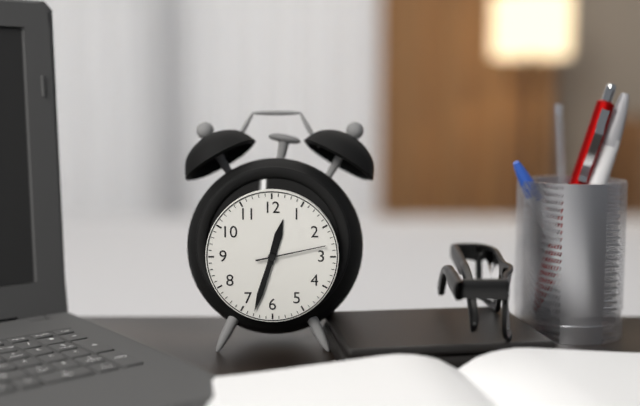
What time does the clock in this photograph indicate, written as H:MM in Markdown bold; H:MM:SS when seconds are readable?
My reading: **12:33:13**
